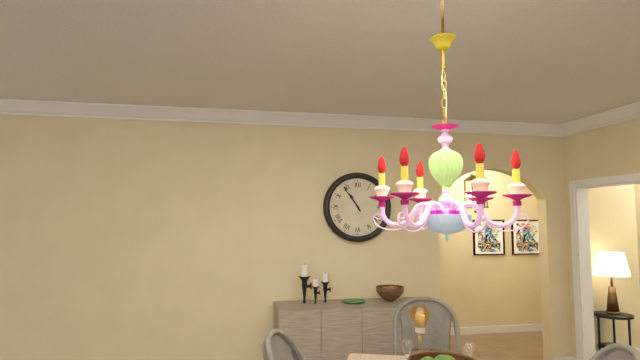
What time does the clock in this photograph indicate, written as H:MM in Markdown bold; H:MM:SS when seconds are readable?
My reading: **10:54**
